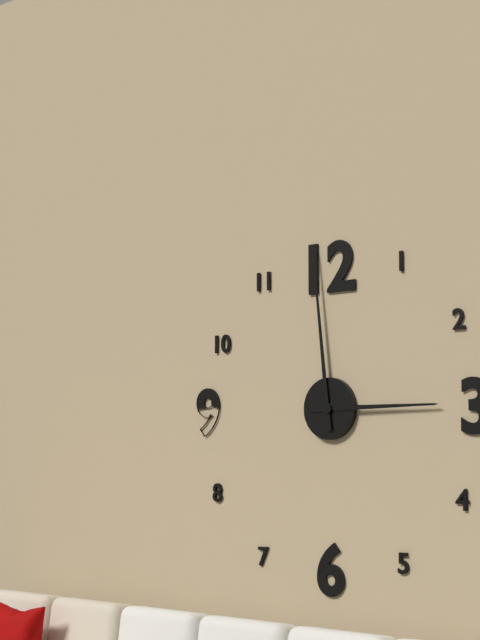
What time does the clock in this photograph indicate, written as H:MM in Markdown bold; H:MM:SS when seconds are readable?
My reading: **2:59**
